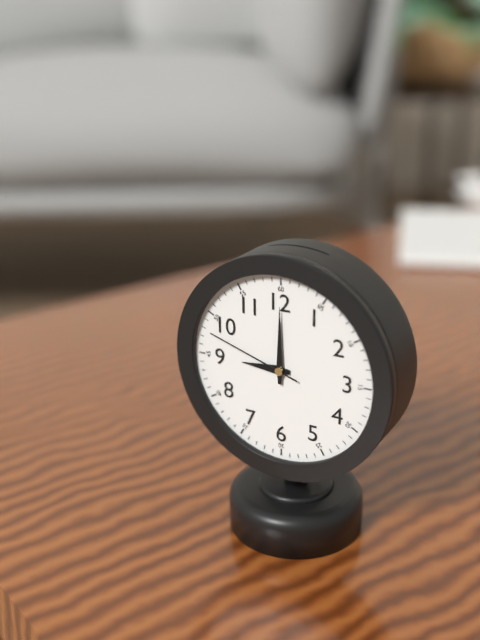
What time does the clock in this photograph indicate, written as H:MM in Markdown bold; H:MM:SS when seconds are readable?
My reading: **9:00:48**
